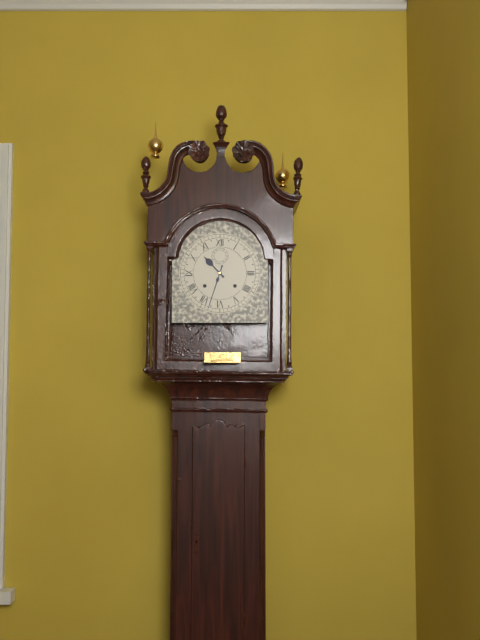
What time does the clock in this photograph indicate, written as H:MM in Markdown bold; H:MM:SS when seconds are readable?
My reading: **10:33**
